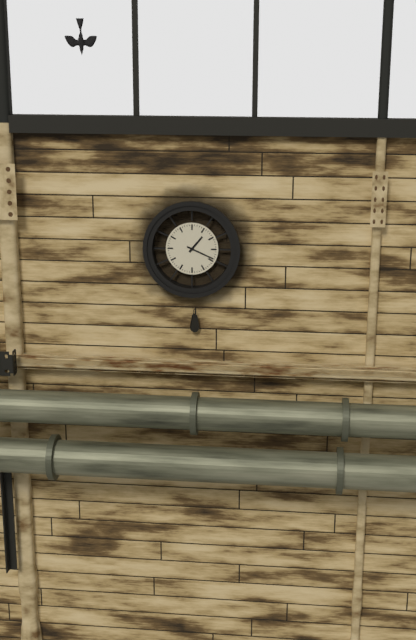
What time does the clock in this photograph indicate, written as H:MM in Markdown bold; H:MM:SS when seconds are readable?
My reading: **1:19**
